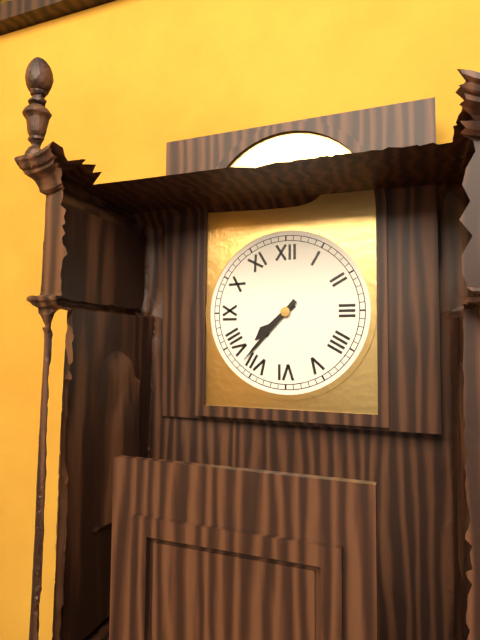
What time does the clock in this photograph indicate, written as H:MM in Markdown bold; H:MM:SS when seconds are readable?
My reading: **7:37**
